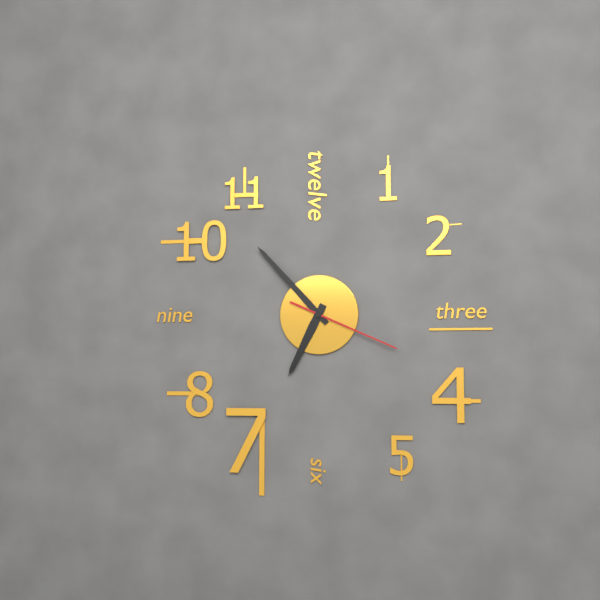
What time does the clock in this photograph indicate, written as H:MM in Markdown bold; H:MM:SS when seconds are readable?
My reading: **6:53:19**
